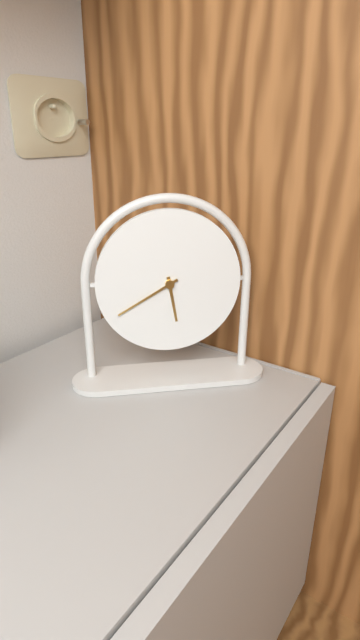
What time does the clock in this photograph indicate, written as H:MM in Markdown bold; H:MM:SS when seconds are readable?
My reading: **5:40**
